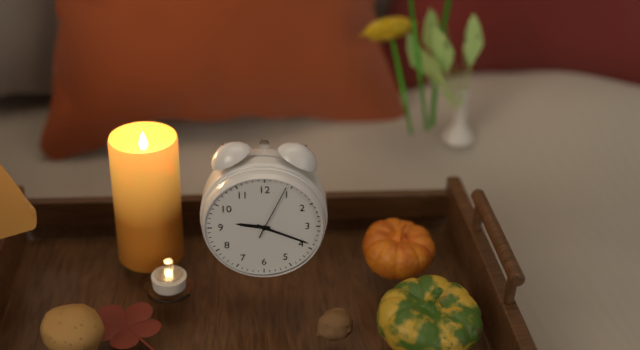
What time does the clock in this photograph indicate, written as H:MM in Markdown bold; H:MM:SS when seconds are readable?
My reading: **9:19:04**
